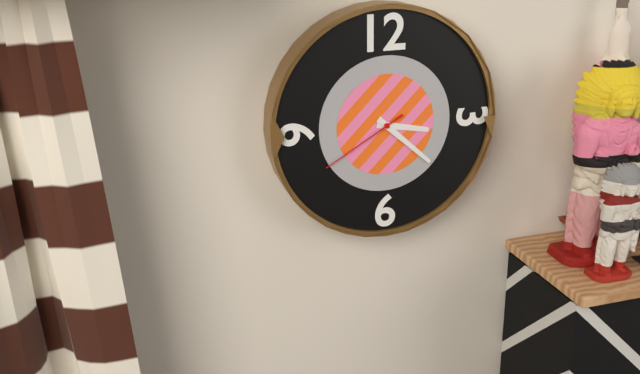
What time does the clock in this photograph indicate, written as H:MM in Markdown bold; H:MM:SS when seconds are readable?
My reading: **3:22:40**
